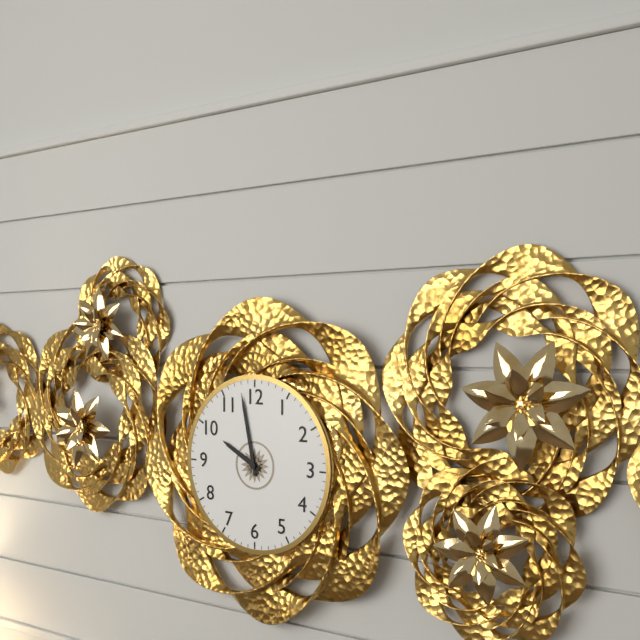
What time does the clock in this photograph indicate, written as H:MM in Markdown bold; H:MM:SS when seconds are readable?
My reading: **9:58**
